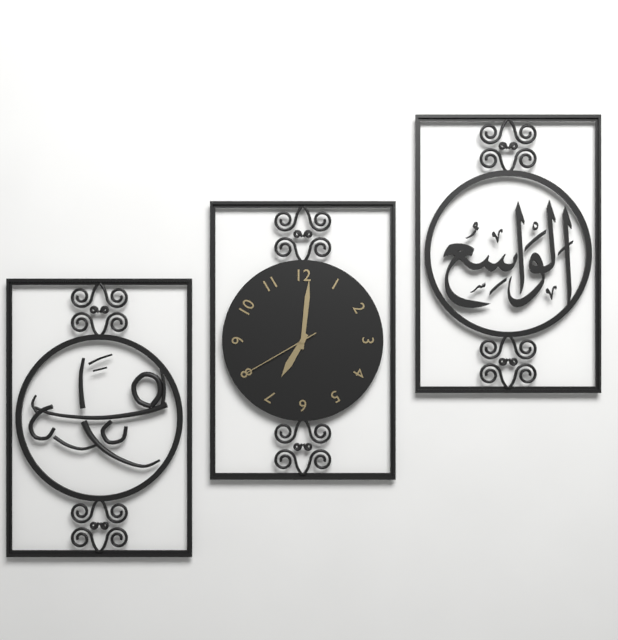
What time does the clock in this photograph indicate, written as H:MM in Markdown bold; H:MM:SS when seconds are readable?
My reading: **7:01:40**
